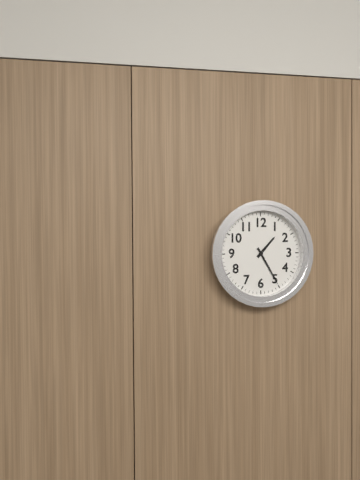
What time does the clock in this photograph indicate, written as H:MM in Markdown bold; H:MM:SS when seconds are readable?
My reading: **1:25**
